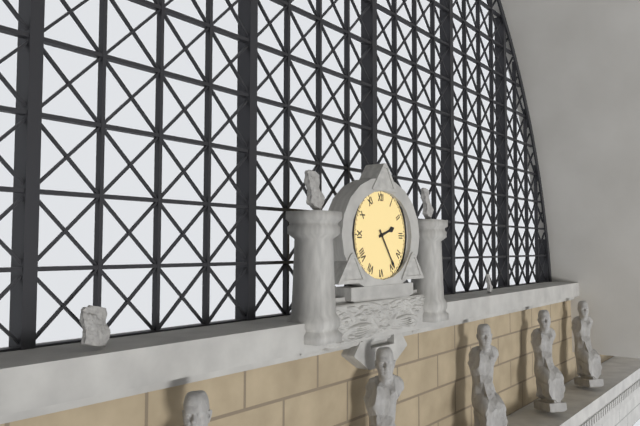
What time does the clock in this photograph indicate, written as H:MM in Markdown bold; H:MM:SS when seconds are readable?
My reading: **2:24**
